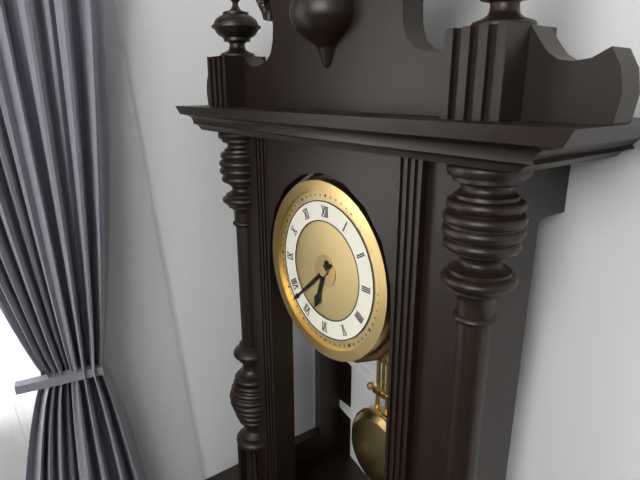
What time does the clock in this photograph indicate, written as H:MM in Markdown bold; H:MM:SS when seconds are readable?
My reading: **6:38**
